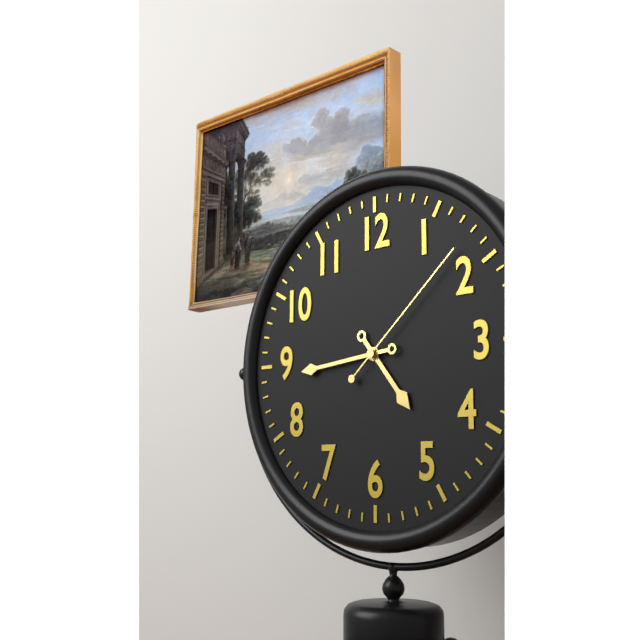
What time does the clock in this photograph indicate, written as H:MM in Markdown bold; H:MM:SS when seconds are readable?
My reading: **4:44:08**
